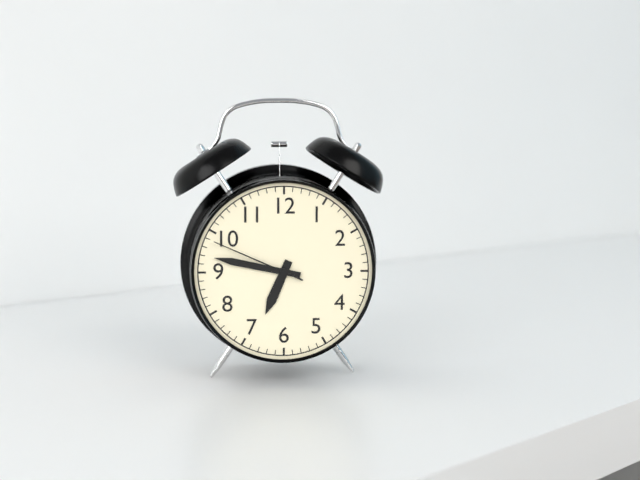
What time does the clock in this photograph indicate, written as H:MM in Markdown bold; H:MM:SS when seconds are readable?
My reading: **6:47:49**
